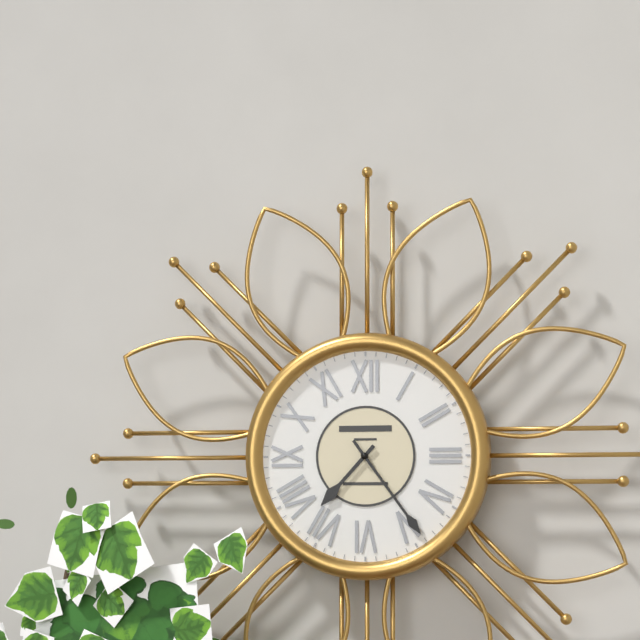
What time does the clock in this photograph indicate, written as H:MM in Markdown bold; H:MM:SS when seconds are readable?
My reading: **7:24**
